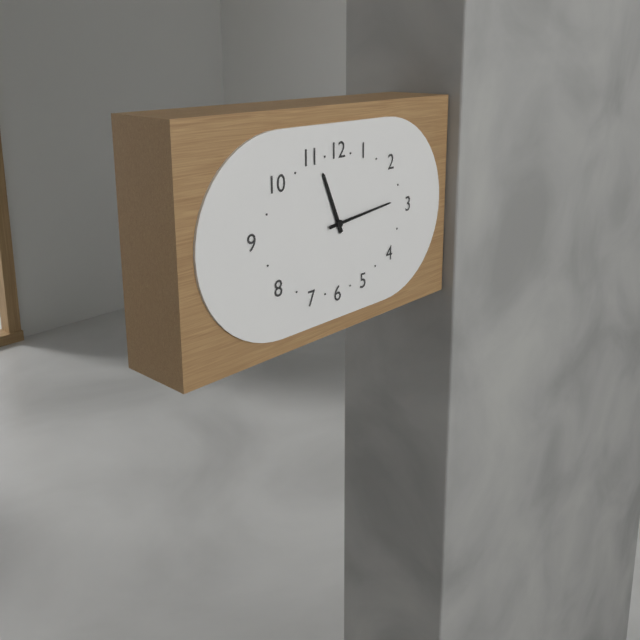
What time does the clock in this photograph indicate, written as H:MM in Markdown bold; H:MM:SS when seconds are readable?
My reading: **11:14**
